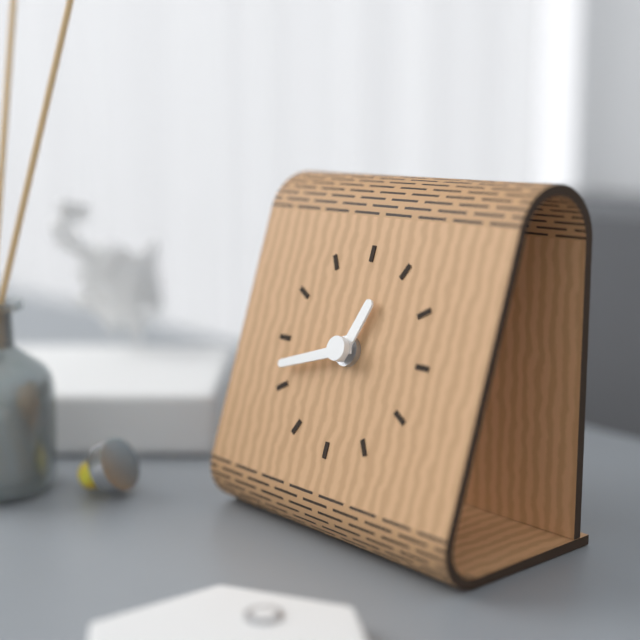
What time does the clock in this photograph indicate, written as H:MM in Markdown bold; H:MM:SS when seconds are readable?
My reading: **12:42**
